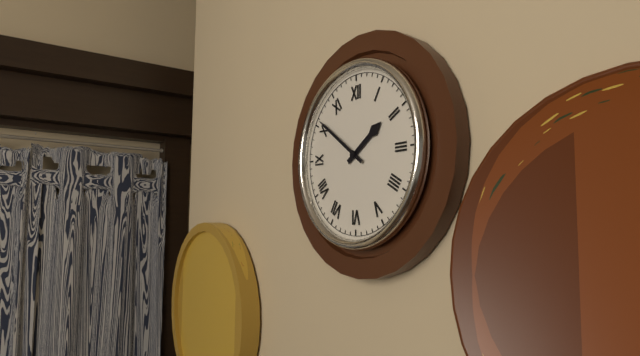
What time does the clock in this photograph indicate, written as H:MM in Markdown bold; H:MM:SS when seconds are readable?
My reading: **1:51**
